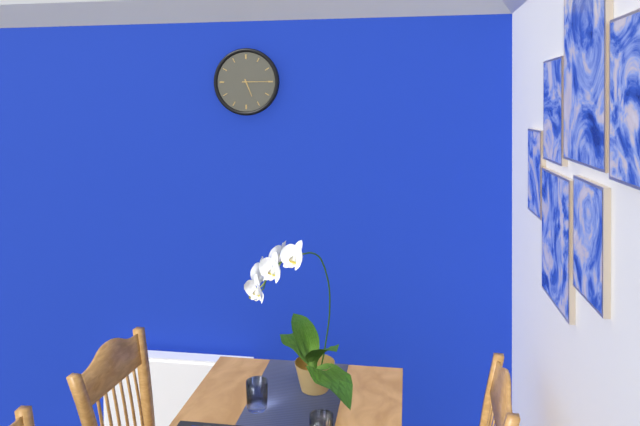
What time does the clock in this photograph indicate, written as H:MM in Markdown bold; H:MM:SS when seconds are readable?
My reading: **5:15**
